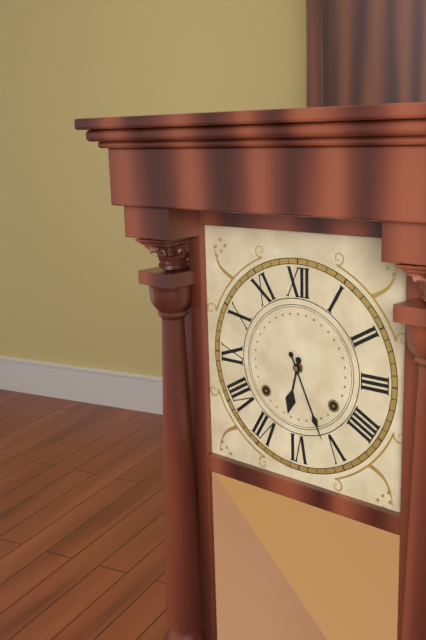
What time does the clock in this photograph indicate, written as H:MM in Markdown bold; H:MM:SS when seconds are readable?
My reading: **6:26**
